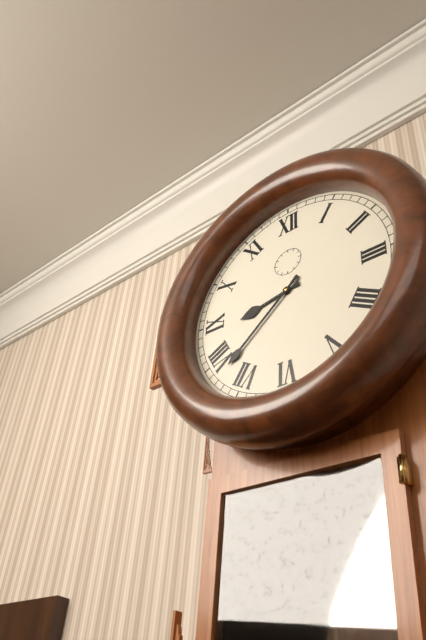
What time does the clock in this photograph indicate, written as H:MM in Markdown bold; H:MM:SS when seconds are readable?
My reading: **8:38**
